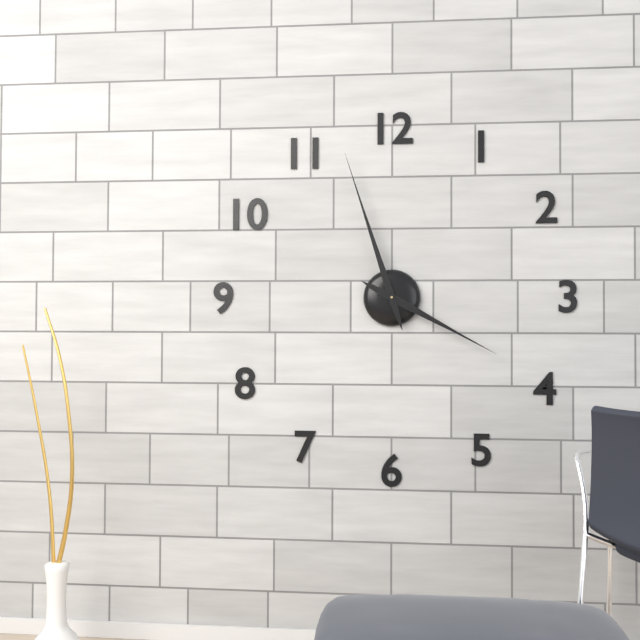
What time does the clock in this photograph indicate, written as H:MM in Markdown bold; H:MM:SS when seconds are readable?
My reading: **3:57**
